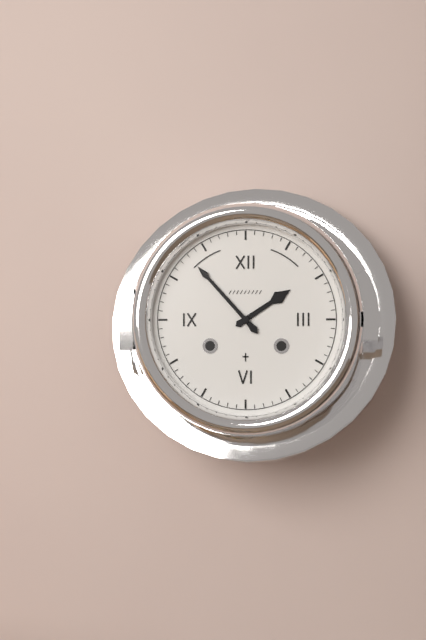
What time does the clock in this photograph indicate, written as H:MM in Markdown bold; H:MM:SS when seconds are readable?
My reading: **1:53**
